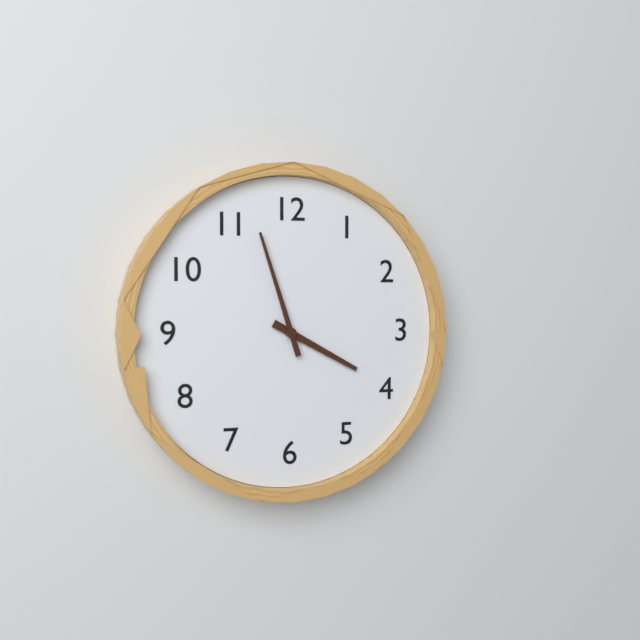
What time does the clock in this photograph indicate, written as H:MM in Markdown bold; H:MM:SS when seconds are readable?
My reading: **3:57**
